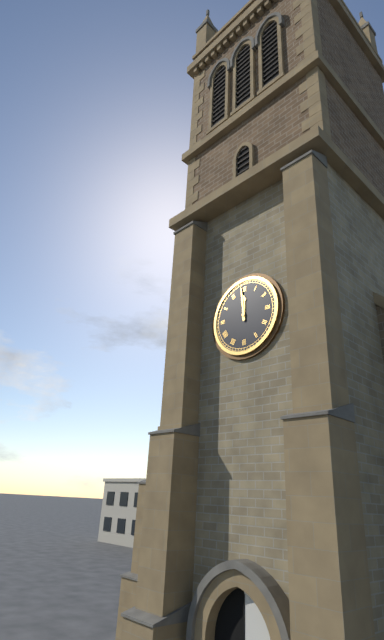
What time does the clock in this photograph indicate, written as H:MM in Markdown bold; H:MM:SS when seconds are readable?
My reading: **11:59**
